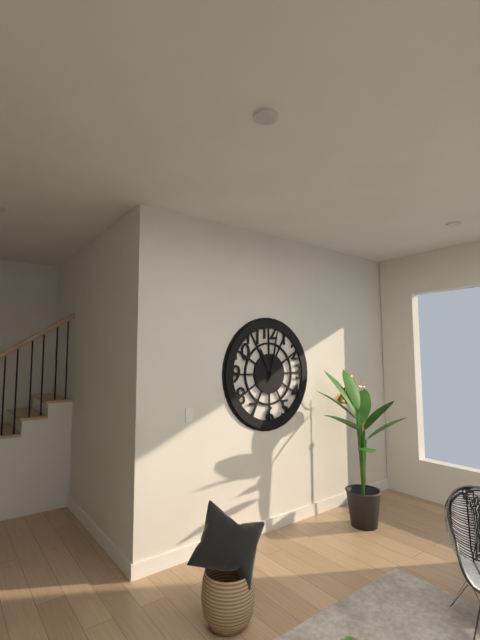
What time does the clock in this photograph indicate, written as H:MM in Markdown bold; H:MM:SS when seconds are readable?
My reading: **11:02**
